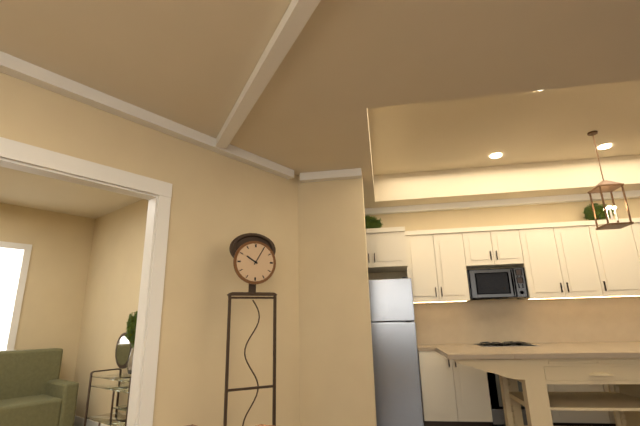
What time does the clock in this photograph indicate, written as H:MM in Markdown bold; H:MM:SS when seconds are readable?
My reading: **10:05**
